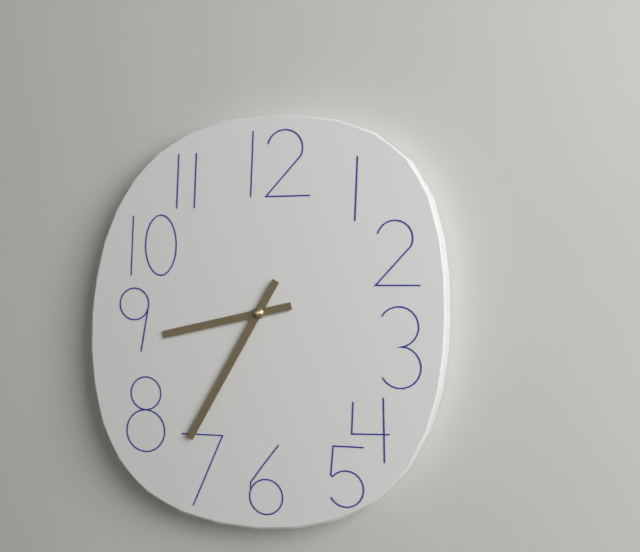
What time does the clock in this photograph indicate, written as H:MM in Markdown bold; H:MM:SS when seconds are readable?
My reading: **8:35**
